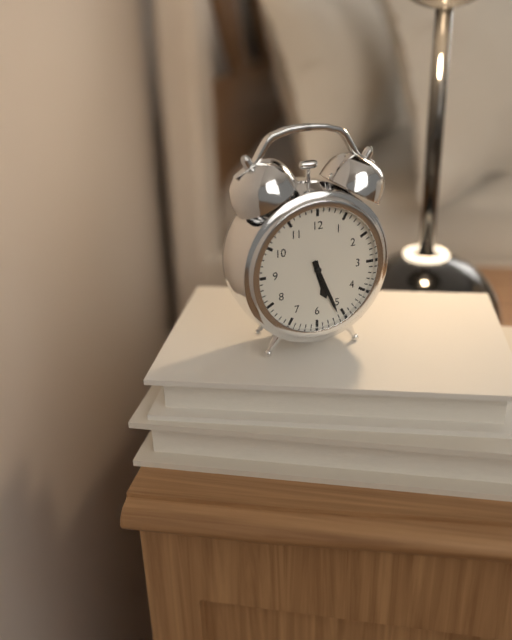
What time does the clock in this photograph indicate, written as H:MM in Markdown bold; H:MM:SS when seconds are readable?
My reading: **5:26**
